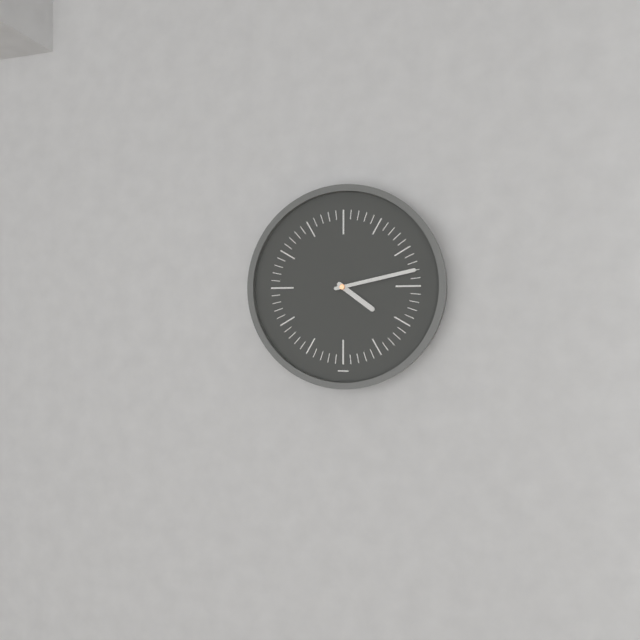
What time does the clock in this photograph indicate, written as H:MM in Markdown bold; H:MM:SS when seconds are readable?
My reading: **4:13**
